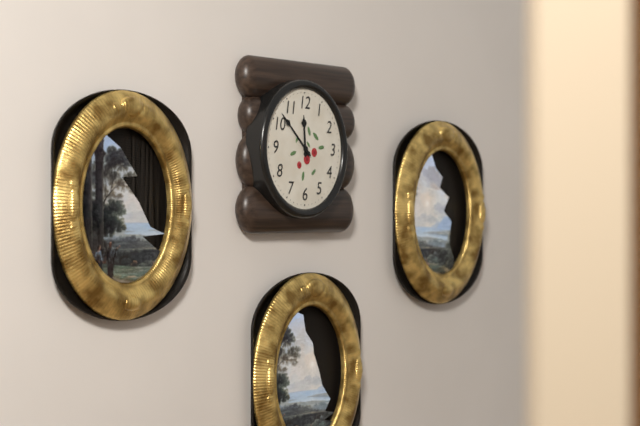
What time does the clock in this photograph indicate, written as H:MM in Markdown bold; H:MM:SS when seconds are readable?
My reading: **11:52**
